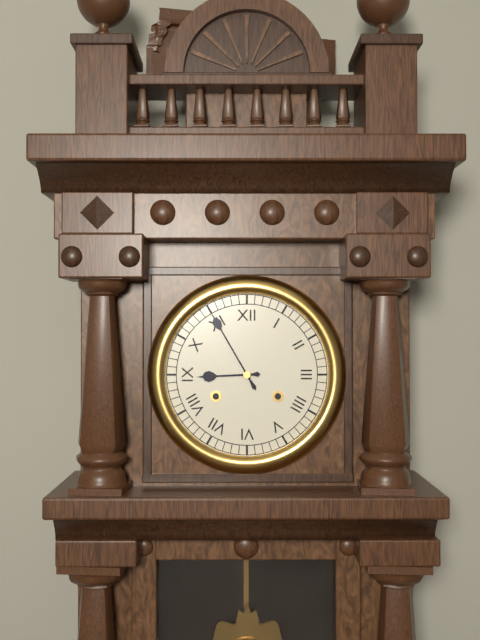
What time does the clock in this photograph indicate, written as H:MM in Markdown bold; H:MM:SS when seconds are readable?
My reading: **8:55**
